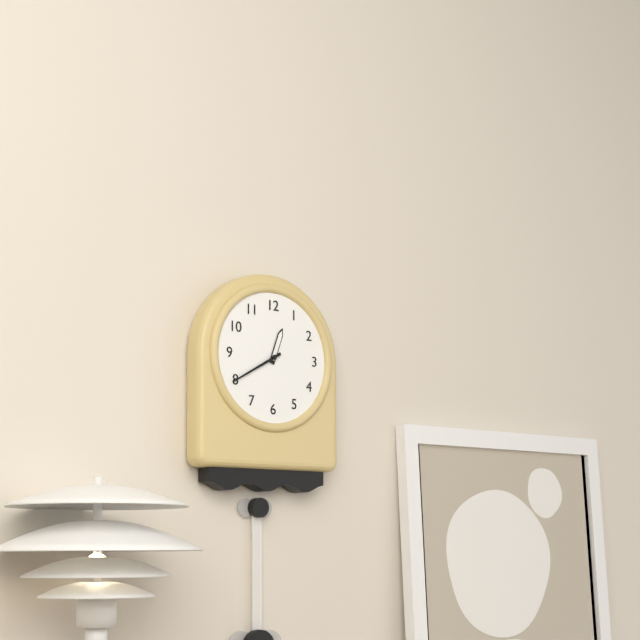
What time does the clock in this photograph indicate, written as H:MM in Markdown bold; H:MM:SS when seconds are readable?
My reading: **12:40**
